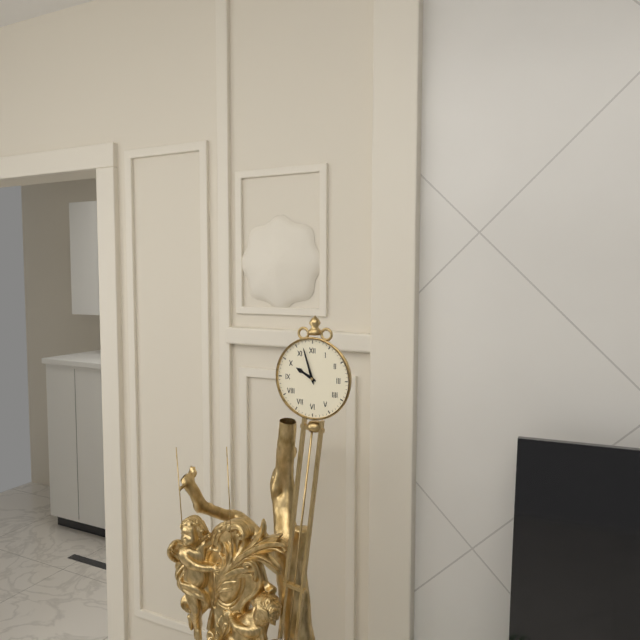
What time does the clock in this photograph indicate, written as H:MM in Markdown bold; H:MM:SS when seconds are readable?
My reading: **9:57**
